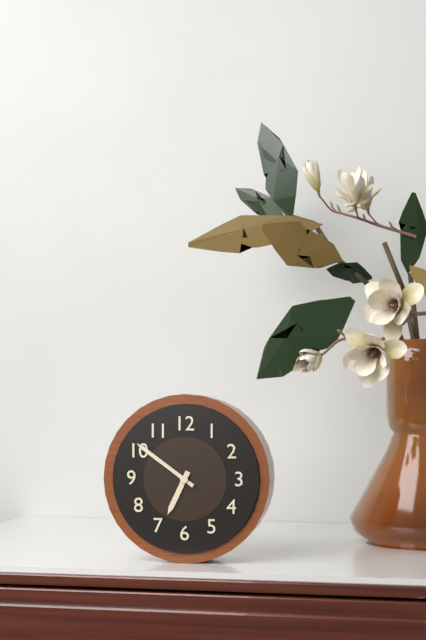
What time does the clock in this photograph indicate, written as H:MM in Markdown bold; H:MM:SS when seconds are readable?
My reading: **6:51**
